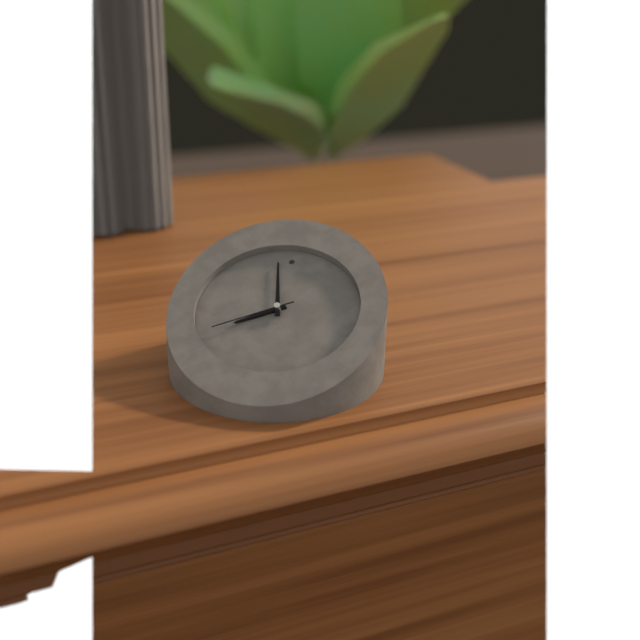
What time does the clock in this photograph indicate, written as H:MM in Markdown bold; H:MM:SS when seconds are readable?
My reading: **7:58:40**
